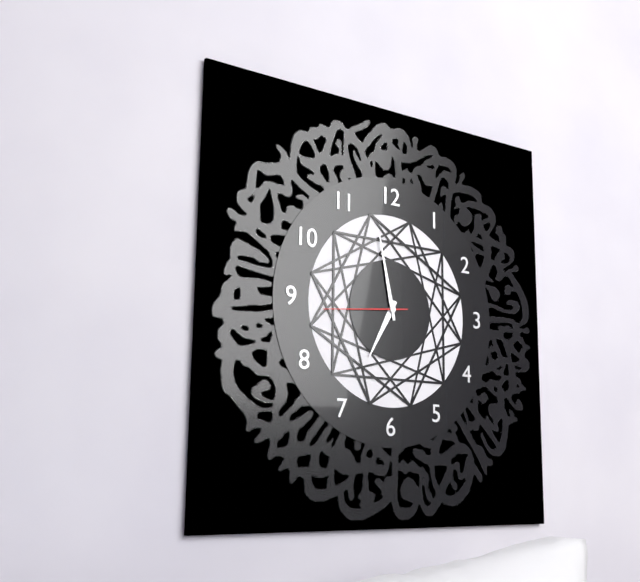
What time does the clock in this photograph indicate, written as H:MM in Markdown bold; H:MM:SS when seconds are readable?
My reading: **6:58:44**
